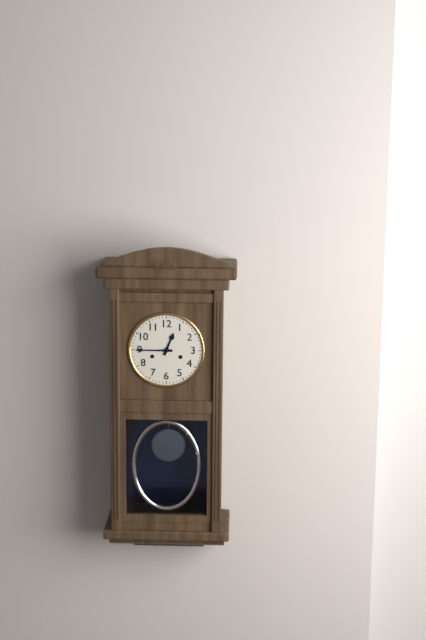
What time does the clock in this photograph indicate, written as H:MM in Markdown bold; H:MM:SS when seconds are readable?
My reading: **12:45**
